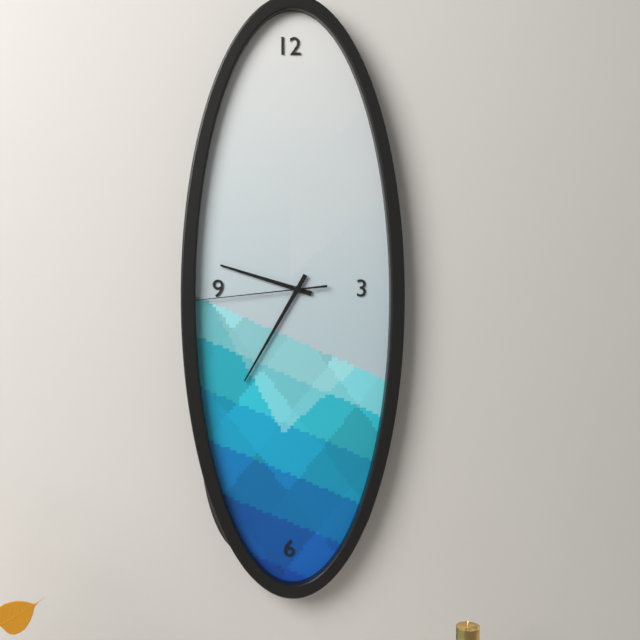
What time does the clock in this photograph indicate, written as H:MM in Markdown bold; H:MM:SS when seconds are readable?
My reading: **9:35:44**
